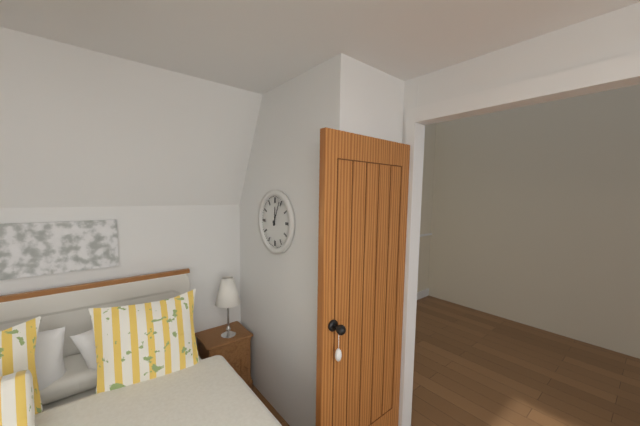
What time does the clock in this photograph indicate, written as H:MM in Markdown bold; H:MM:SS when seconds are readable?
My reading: **12:04**
